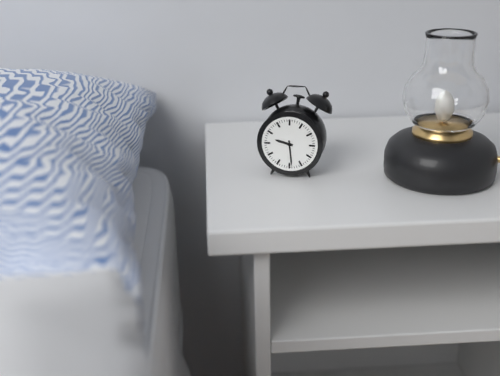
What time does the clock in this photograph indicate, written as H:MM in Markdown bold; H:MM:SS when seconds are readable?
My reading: **9:29**
